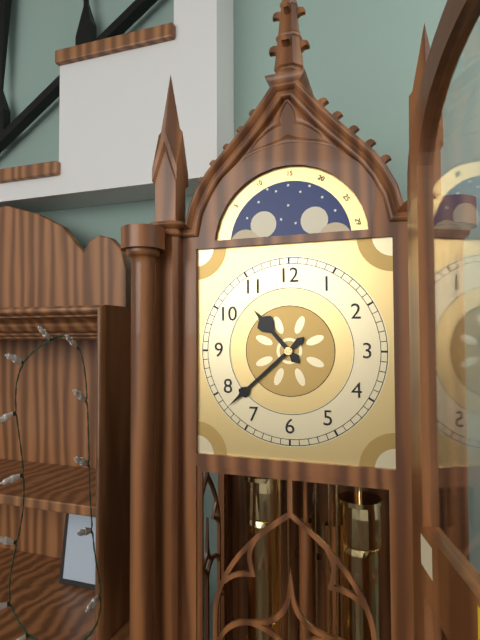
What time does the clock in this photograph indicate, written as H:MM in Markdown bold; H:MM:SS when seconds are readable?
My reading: **10:38**
